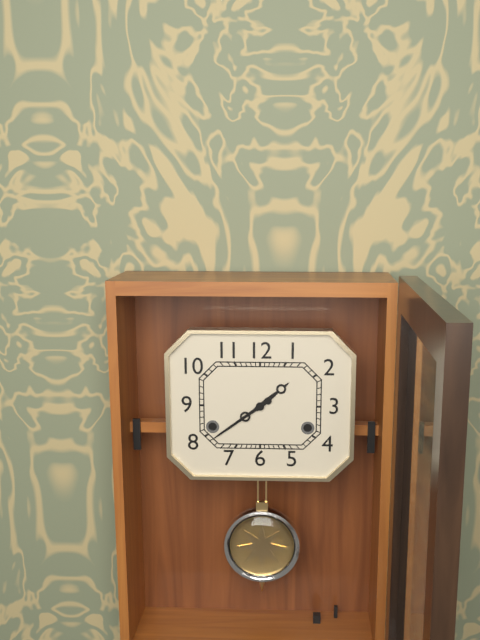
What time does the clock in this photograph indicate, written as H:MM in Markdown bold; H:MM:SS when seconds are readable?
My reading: **1:39**
